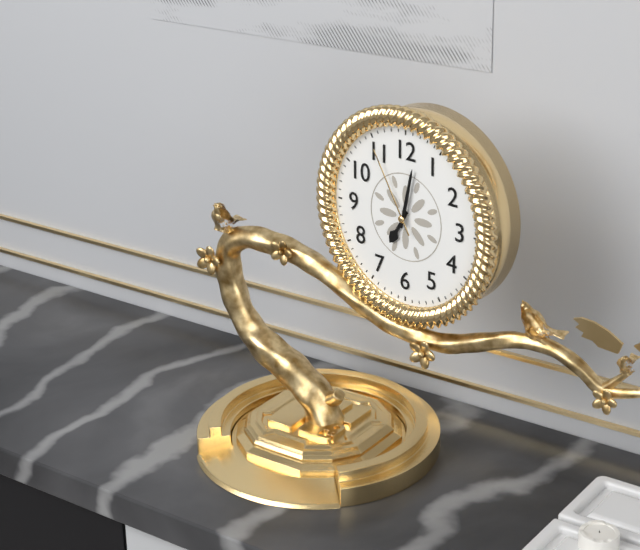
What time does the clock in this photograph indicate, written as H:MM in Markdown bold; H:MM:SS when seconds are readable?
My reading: **7:02:55**
